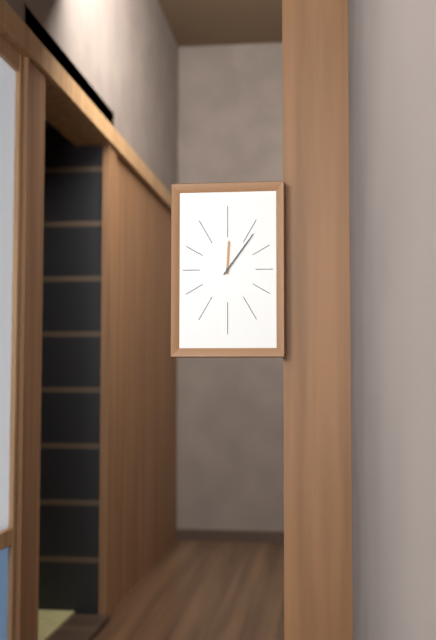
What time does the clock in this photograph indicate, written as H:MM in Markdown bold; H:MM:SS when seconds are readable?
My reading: **12:06**
